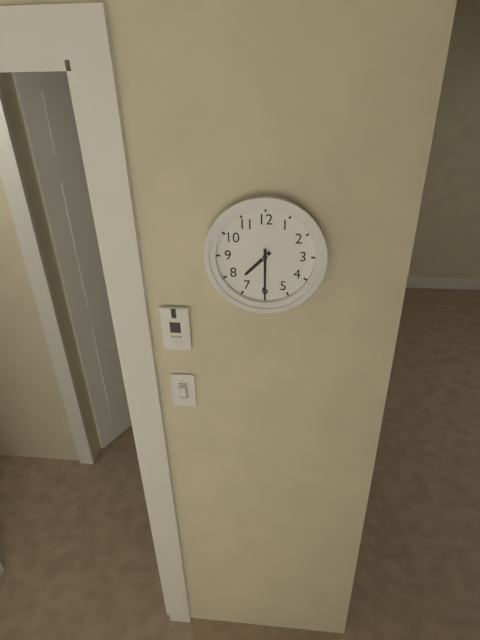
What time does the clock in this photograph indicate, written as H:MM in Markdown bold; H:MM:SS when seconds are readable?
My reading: **7:30**
